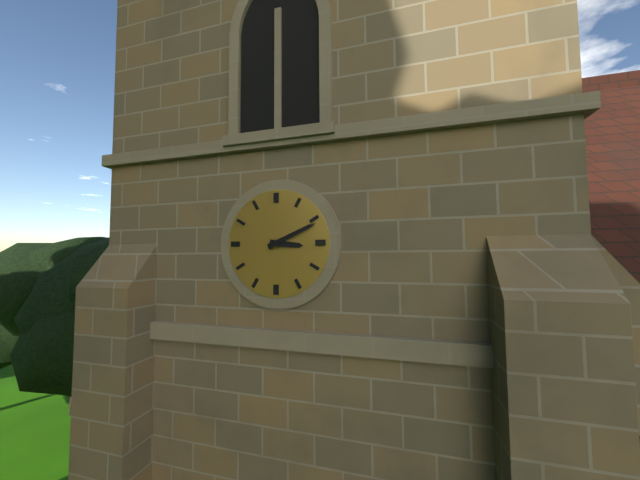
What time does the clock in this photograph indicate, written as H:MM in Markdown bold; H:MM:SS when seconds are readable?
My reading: **3:11**
